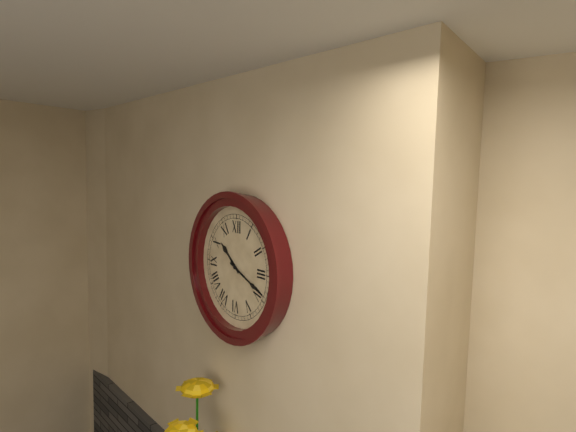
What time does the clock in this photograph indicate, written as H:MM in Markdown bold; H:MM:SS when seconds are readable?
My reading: **10:19**
